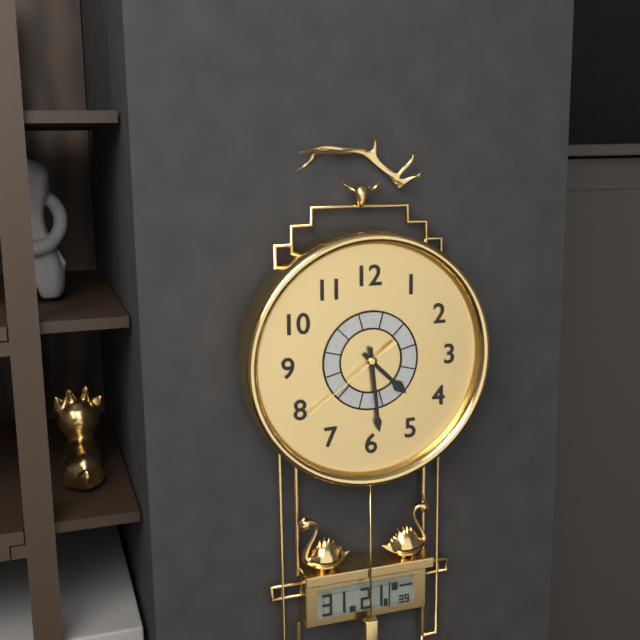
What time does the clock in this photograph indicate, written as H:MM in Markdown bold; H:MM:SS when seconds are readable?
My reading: **4:29:39**
